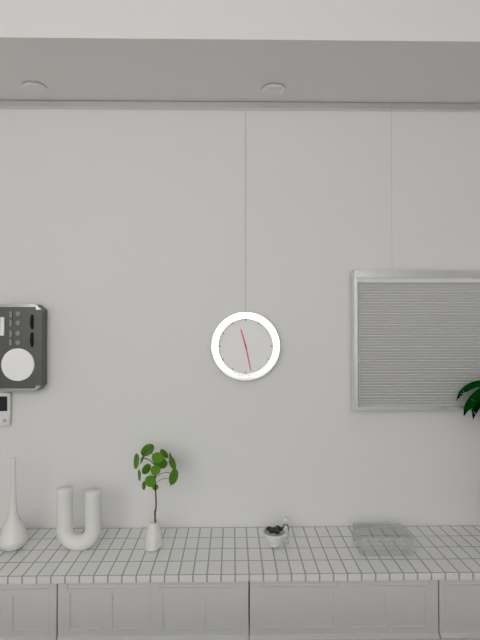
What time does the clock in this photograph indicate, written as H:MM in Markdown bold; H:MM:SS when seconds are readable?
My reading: **11:28**
